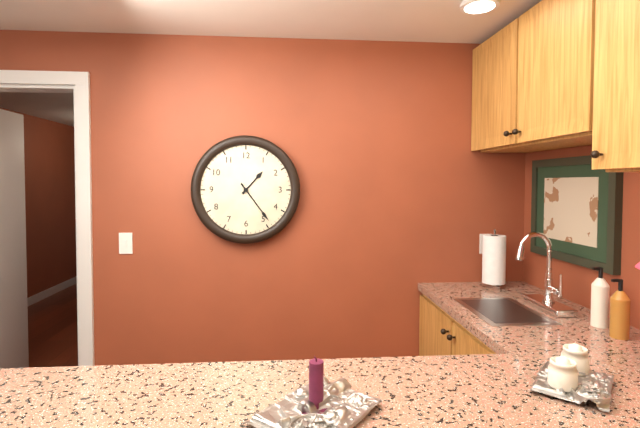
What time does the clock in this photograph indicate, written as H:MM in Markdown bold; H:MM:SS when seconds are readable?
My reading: **1:24**
